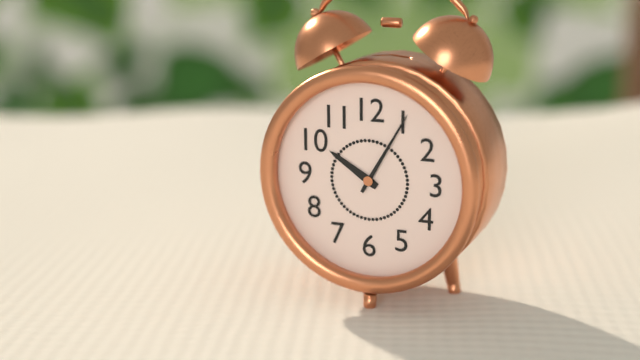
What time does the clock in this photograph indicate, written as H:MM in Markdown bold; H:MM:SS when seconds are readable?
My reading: **10:05**
